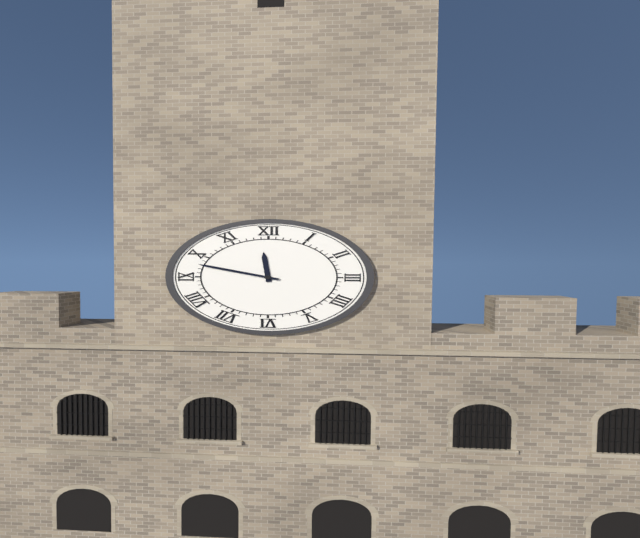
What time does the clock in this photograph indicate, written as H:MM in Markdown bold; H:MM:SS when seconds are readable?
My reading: **11:48**
